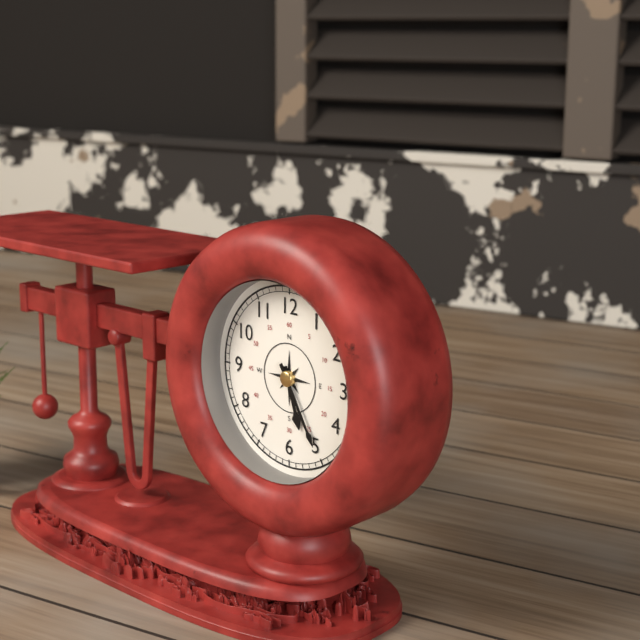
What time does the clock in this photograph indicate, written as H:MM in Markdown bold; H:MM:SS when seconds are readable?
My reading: **5:25**
